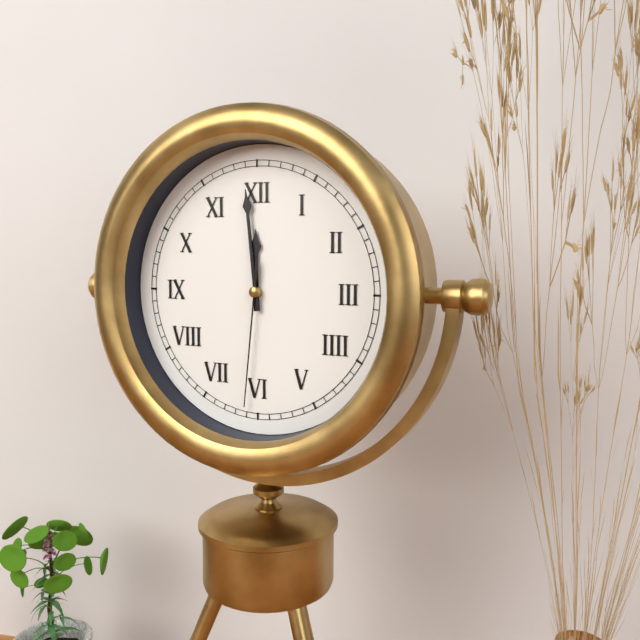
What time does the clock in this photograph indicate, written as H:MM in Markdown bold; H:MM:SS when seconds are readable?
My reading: **11:59:31**
